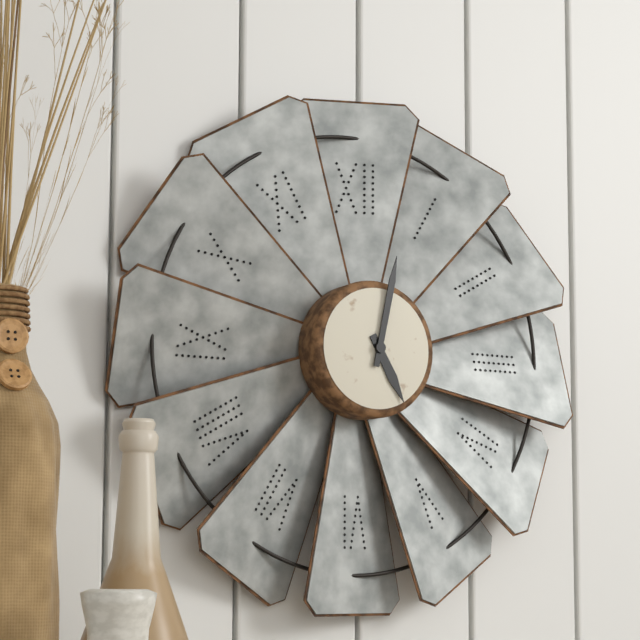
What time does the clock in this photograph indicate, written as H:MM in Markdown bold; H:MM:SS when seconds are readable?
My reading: **5:02**
